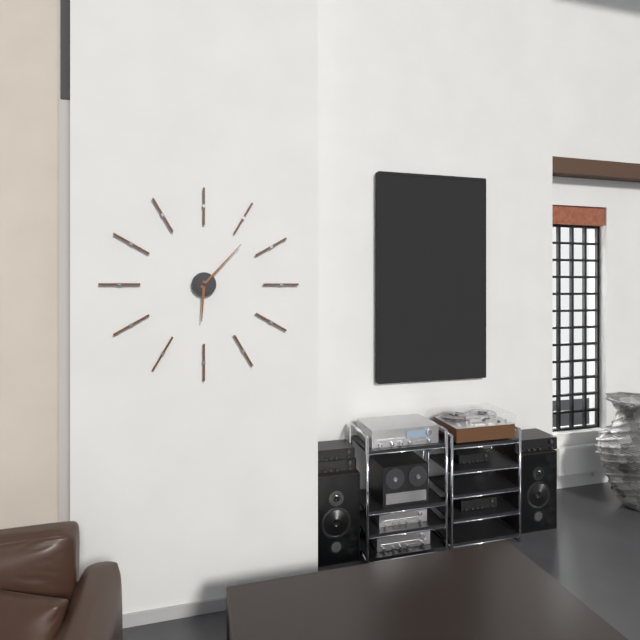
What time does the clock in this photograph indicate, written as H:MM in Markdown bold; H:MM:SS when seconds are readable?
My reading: **6:07**
